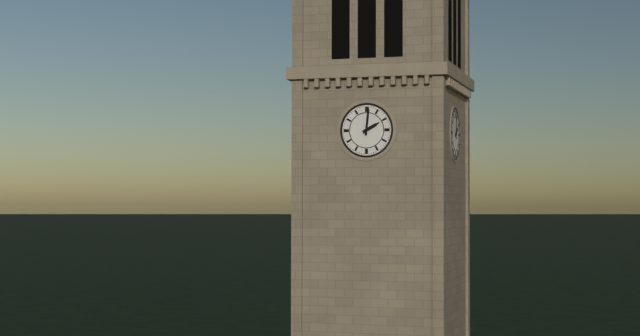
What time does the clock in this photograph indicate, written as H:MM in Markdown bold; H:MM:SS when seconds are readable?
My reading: **2:01**
